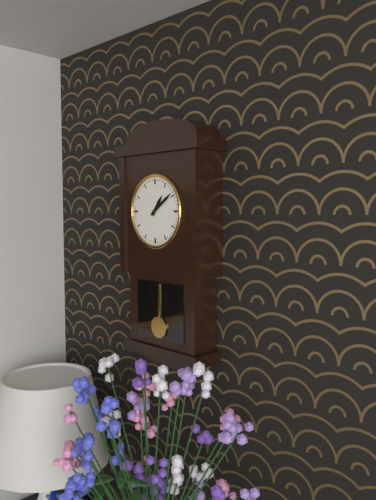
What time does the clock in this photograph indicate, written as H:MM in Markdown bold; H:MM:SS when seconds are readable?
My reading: **1:09**
